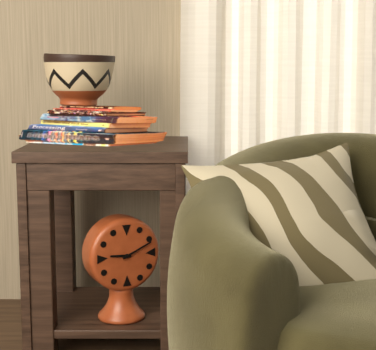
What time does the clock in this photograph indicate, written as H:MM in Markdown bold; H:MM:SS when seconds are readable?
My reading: **9:11**
